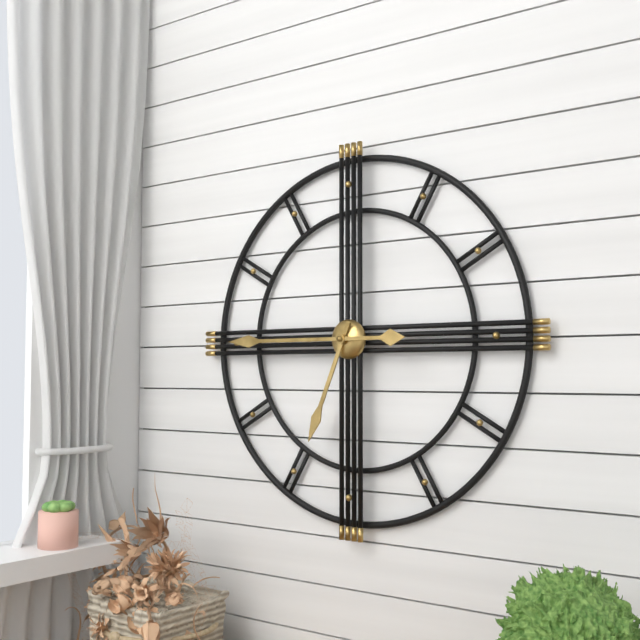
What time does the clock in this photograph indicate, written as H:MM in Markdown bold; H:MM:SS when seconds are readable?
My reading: **6:45**
